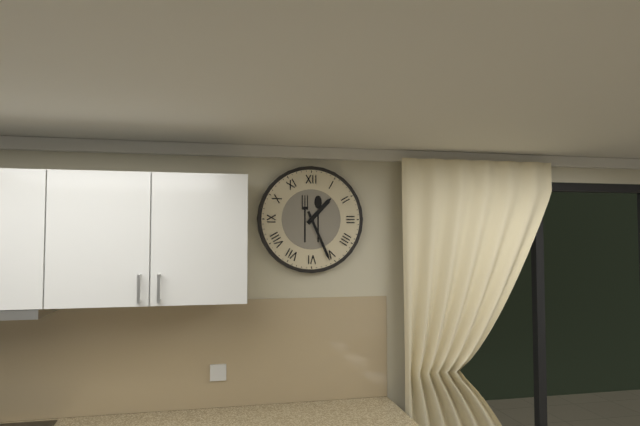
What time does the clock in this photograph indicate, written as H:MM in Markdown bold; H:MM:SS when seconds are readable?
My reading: **1:26**
